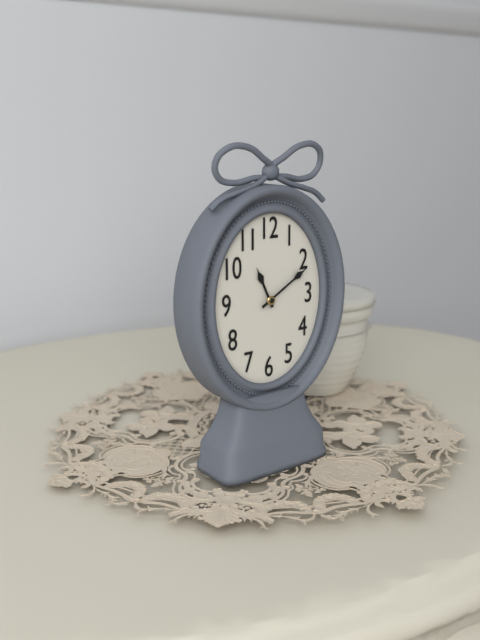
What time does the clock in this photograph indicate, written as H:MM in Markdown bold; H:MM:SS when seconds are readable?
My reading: **11:10**
